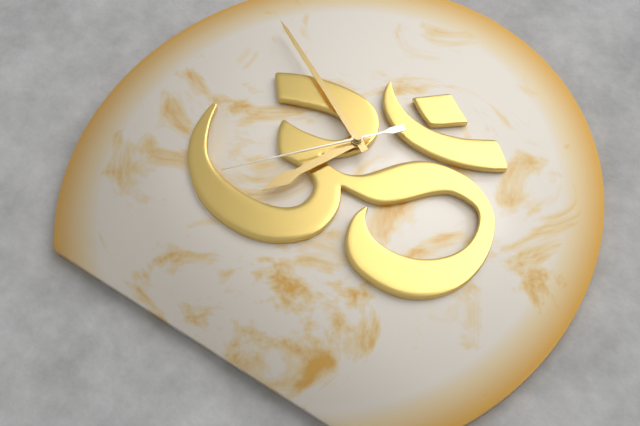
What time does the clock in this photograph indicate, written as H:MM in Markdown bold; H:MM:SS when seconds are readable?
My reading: **6:50:37**
